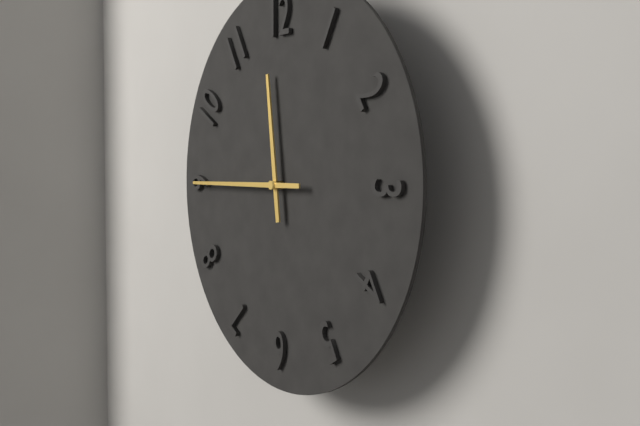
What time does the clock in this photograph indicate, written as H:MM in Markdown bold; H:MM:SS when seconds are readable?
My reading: **11:45**
